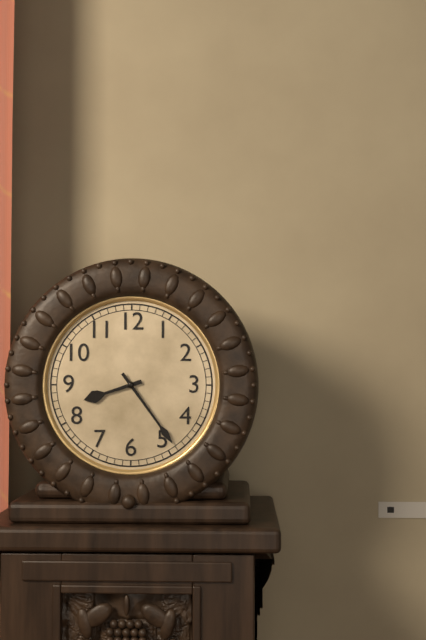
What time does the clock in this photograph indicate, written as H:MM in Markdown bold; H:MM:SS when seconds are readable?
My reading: **8:24**
